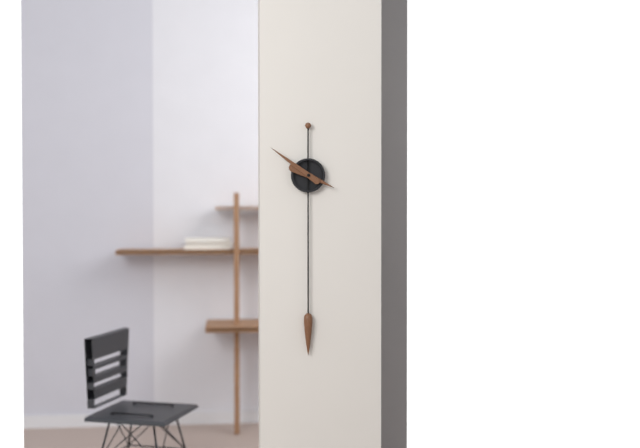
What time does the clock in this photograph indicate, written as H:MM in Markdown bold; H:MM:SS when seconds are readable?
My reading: **3:51**
